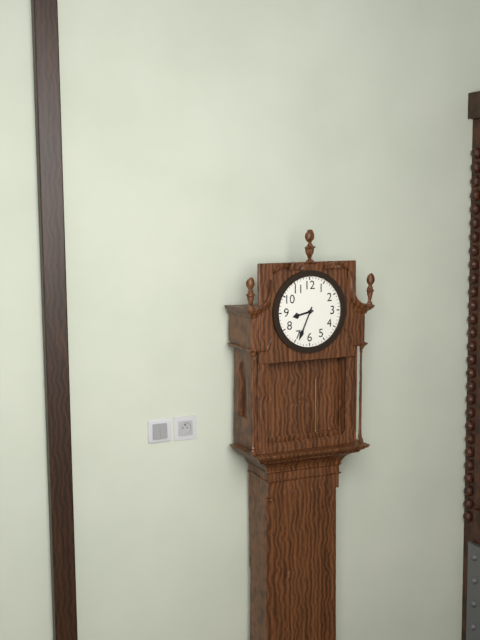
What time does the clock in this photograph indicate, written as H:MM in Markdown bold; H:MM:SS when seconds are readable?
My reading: **8:34**
